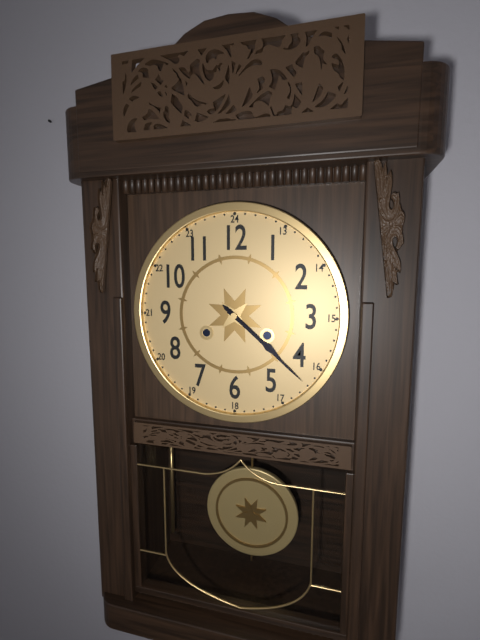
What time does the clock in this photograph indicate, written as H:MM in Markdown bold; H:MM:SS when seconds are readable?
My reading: **4:22**
